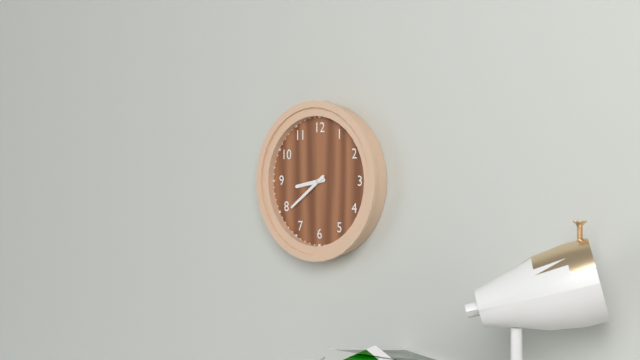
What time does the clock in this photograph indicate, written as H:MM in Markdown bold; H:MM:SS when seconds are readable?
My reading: **8:39**
